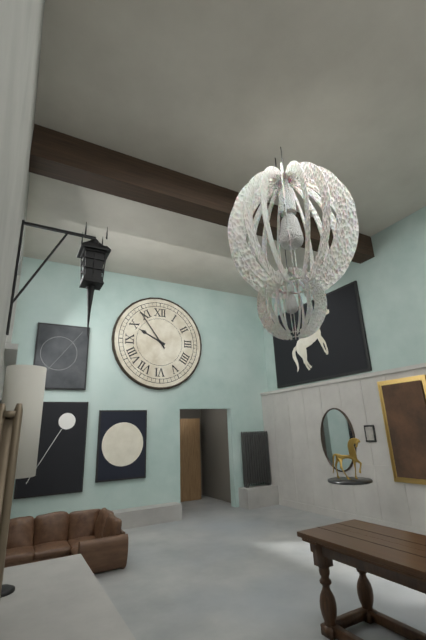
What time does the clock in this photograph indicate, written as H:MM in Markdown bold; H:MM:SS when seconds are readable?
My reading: **9:54**
